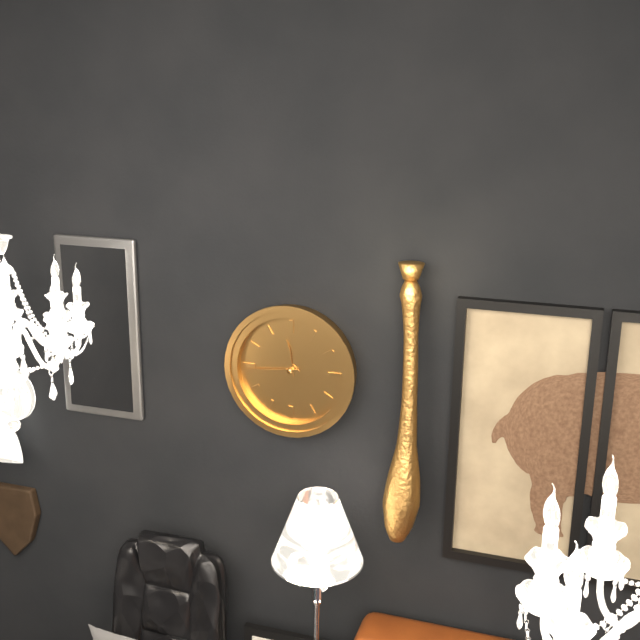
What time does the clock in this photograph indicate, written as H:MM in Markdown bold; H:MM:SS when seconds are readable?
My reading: **11:44**
